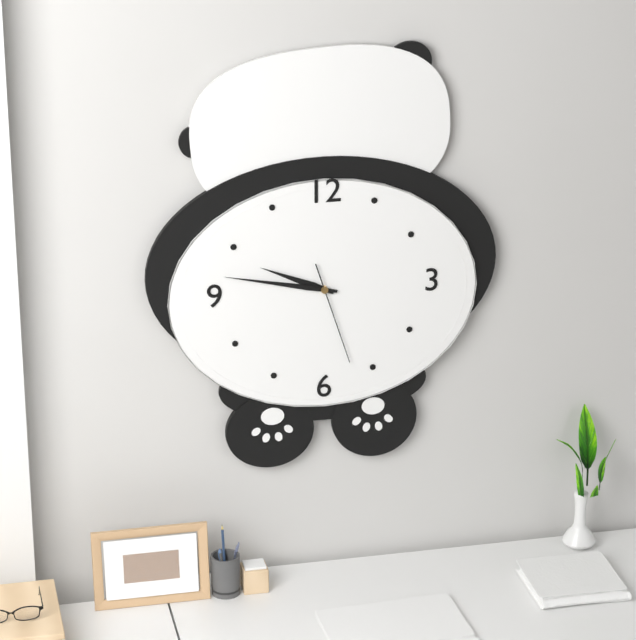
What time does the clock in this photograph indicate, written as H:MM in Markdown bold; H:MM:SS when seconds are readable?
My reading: **9:47:27**
